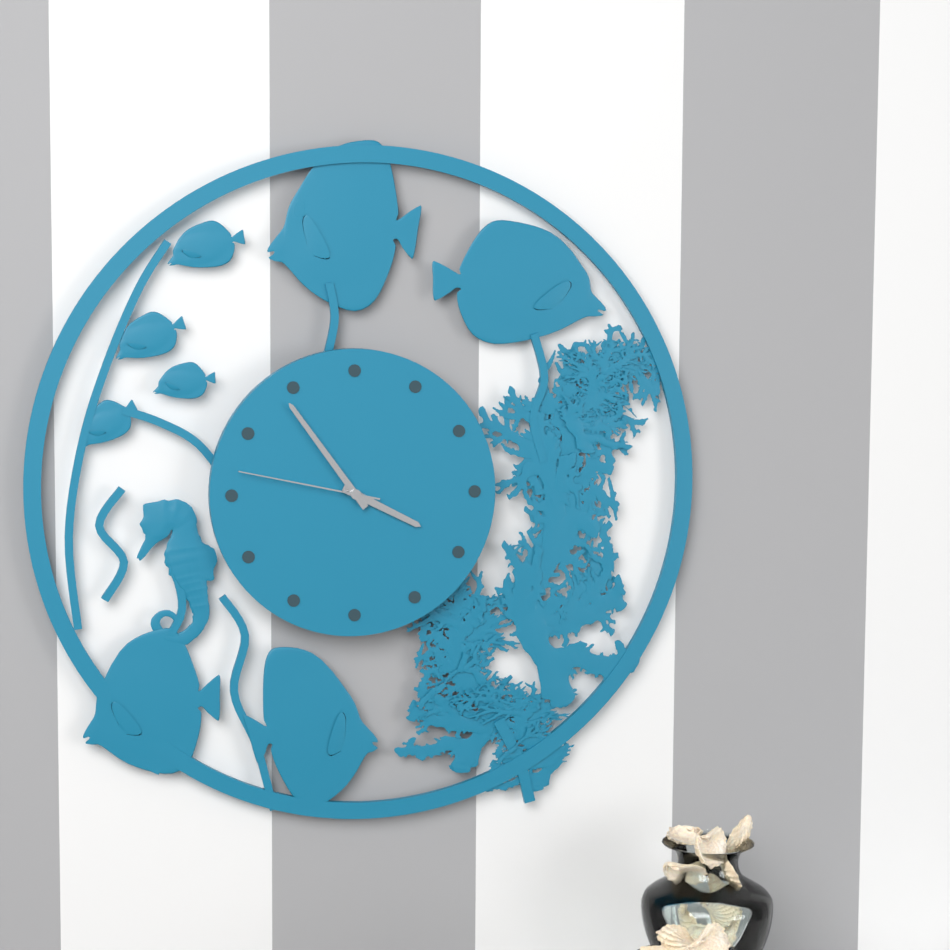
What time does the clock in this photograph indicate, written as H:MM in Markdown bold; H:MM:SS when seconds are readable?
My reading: **3:54:47**
